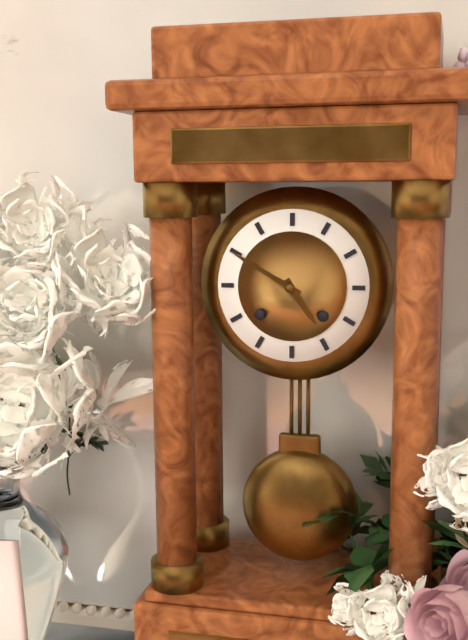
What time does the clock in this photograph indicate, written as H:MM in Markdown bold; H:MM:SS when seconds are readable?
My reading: **4:50**
